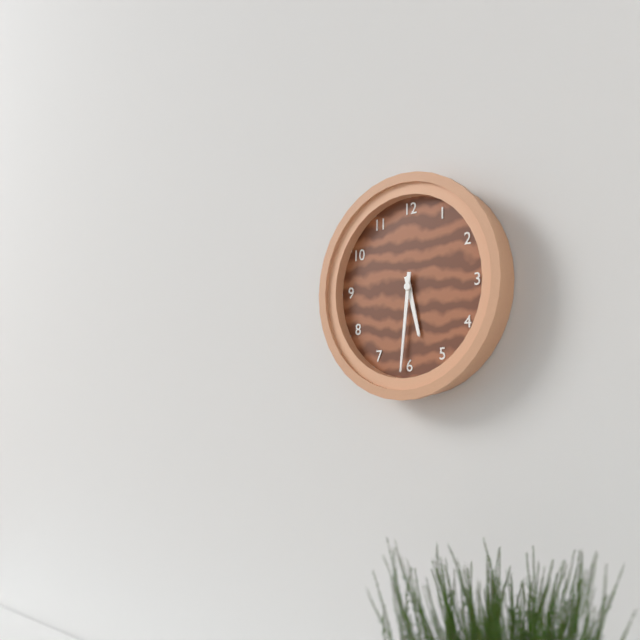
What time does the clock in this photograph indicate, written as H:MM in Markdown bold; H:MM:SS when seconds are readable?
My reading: **5:31**
